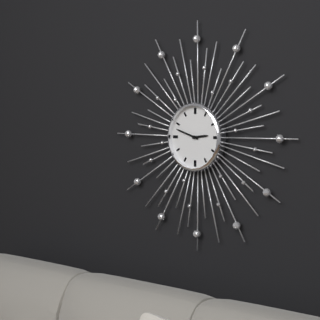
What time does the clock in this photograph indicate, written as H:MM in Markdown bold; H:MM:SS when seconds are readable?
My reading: **2:48**
